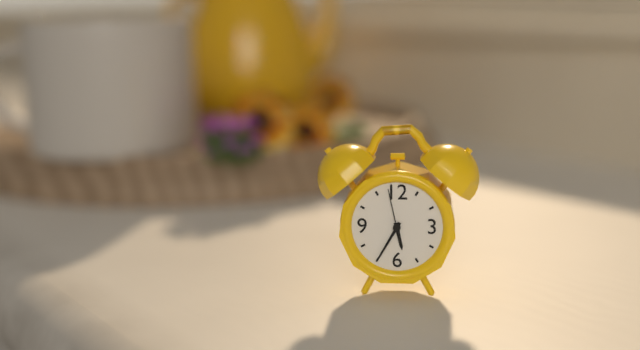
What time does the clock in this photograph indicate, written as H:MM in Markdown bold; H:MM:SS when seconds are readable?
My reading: **5:35:58**
